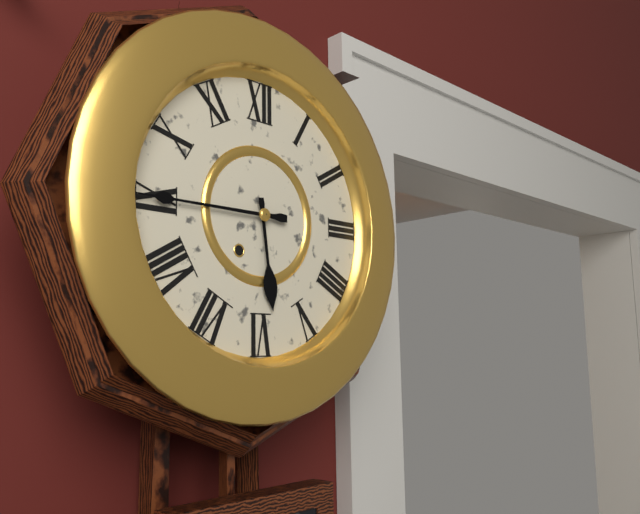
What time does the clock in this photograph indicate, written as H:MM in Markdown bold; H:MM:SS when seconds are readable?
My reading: **5:45**
